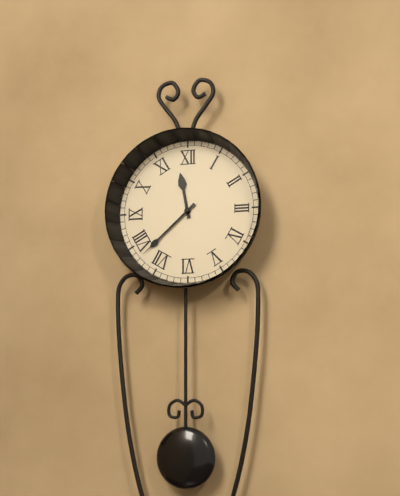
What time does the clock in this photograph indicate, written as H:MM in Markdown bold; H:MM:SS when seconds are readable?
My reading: **11:38**
